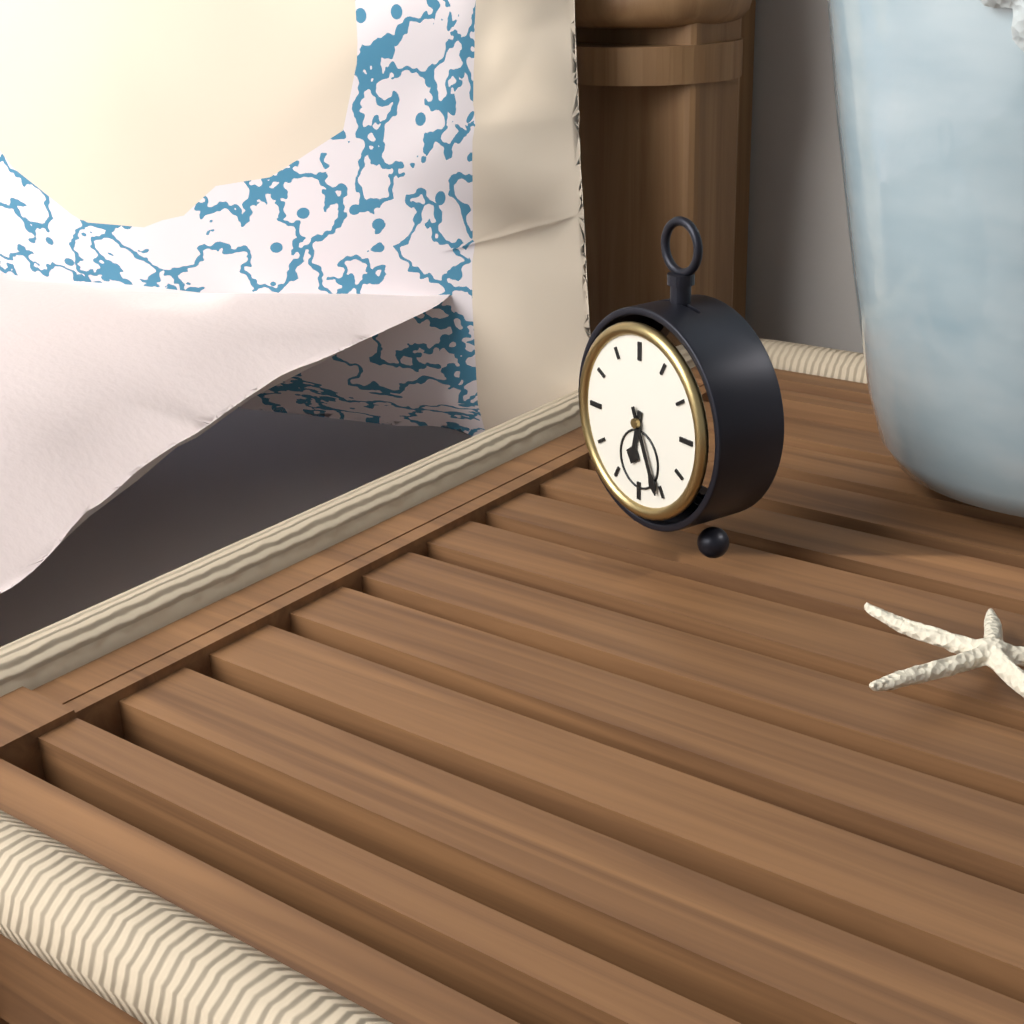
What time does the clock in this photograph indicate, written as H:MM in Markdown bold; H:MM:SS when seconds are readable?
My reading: **6:26**
